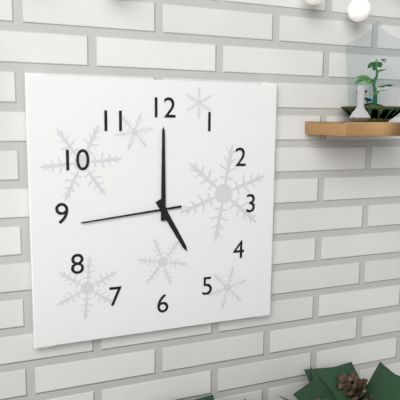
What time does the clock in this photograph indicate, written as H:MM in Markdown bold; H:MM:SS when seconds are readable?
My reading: **5:00:44**
